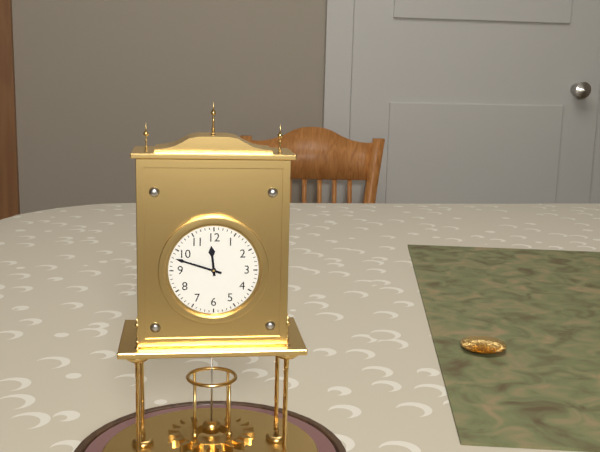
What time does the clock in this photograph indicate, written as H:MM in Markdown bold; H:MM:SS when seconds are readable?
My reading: **11:48**
